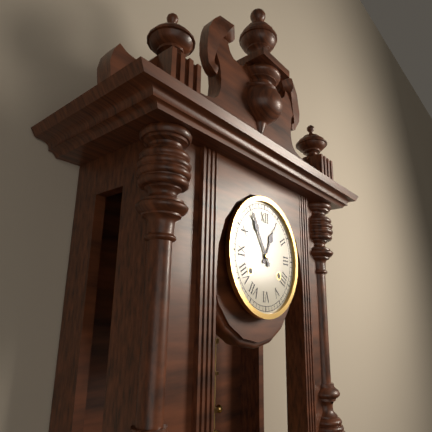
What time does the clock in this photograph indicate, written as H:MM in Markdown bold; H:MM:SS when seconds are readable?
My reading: **12:55**
